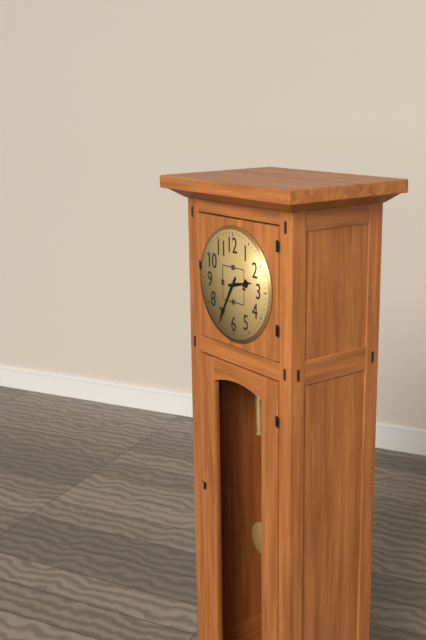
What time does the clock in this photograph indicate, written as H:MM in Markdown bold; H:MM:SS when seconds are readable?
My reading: **2:35**
